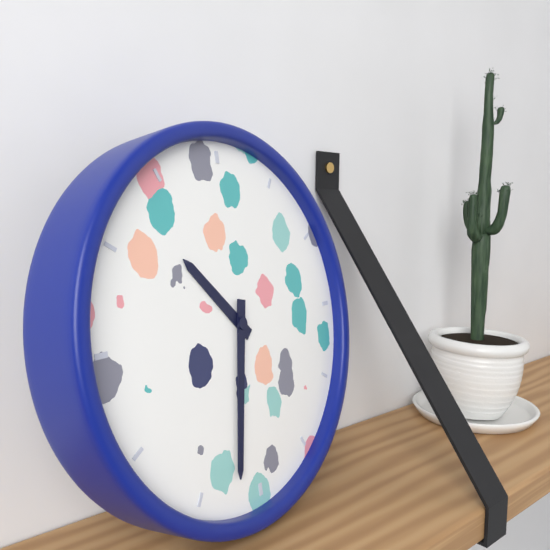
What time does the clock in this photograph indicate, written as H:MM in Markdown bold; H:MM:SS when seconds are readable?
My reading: **10:32**
